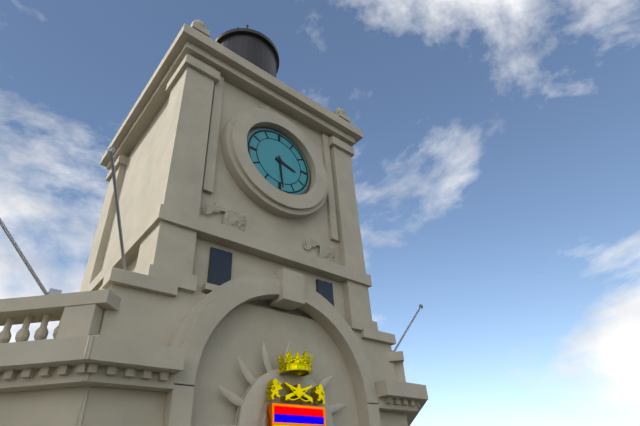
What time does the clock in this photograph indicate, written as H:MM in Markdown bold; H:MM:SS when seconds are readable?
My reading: **3:29**
